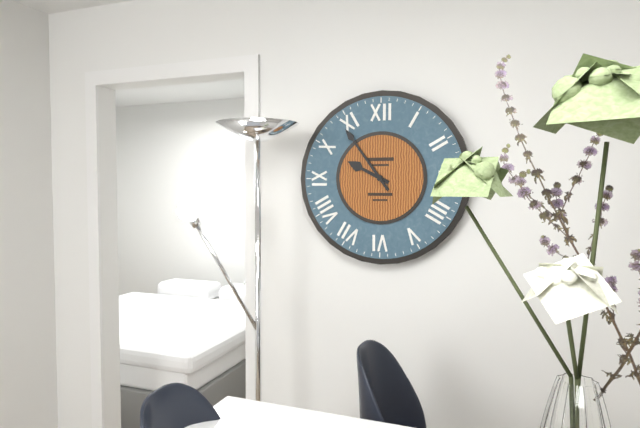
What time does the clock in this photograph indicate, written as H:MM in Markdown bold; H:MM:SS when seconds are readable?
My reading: **9:54**
